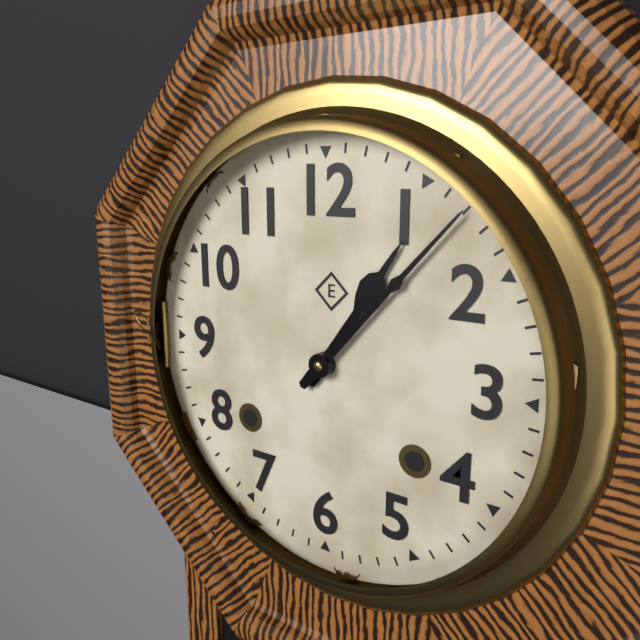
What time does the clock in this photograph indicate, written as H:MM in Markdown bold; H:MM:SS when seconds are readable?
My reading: **1:07**
